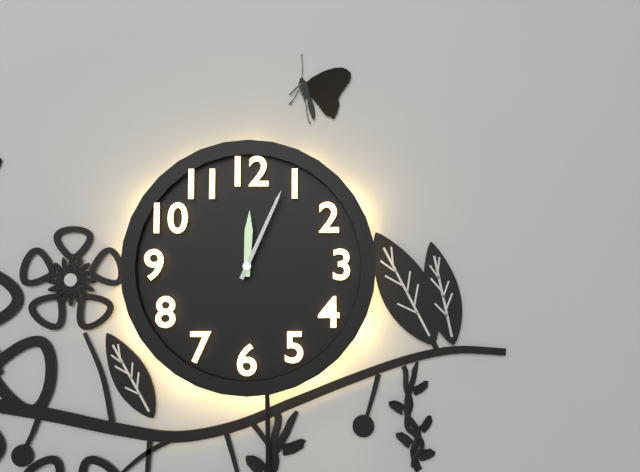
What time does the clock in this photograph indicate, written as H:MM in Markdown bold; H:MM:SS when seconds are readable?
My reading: **12:04**
